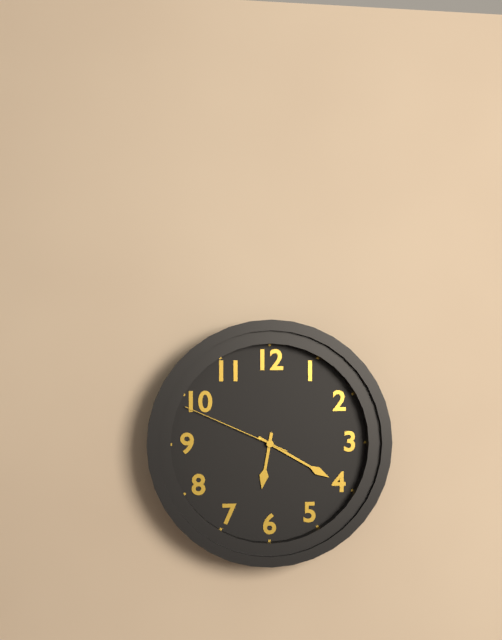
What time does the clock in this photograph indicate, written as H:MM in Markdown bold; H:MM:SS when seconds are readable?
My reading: **6:20:49**
